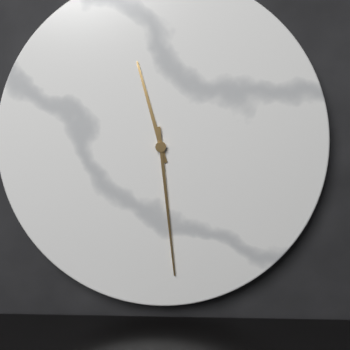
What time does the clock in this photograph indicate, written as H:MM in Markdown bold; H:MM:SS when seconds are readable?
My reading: **11:29**
